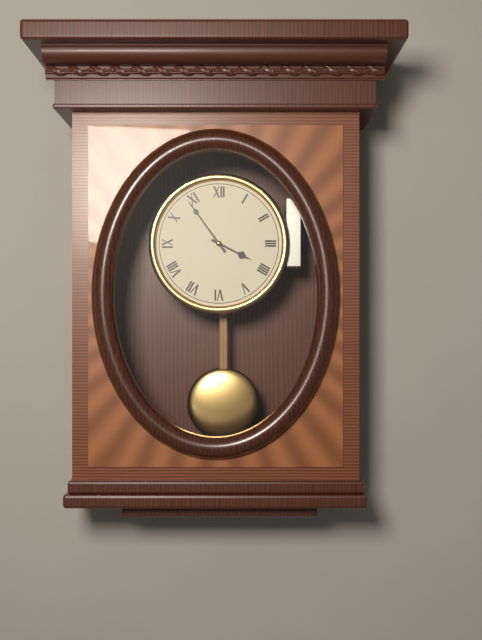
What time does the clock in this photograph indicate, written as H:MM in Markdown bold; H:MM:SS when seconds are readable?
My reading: **3:54**
